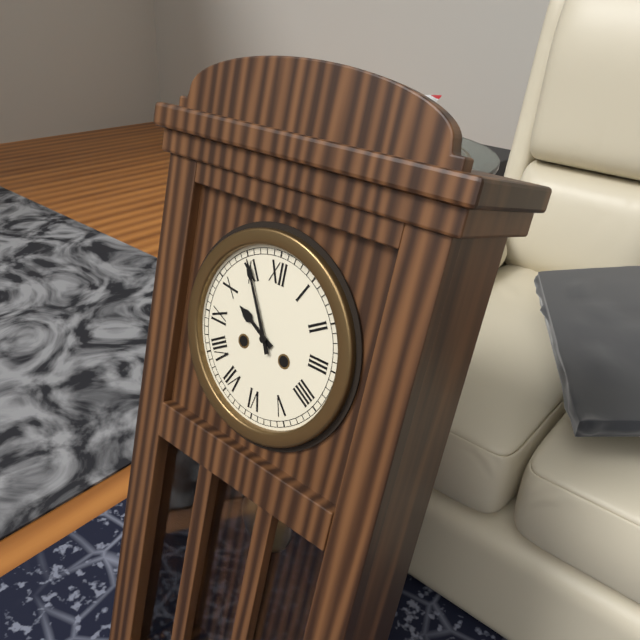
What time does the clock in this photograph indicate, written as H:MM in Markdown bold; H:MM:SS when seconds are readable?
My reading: **9:55**
